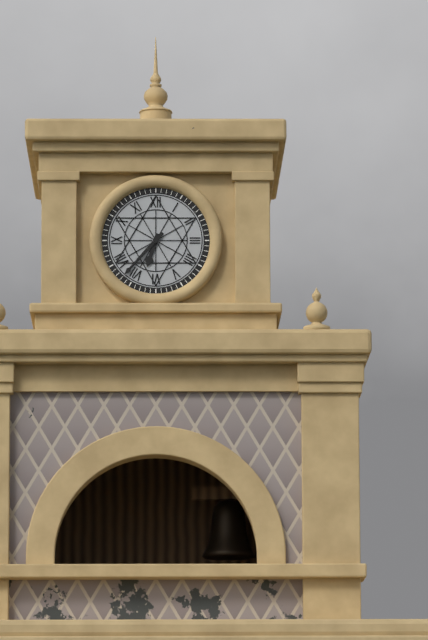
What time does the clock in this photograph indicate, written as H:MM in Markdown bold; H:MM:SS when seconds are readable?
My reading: **6:37**
